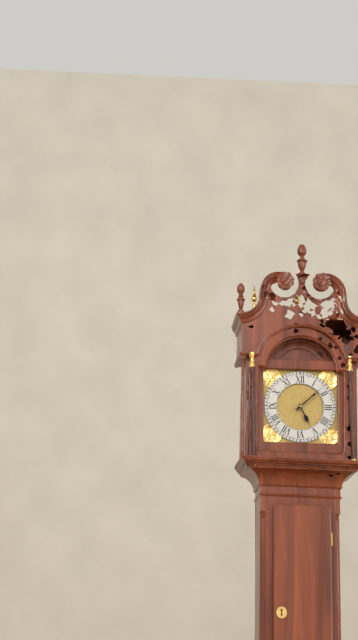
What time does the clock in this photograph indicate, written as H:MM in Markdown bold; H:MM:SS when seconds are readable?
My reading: **5:08**
